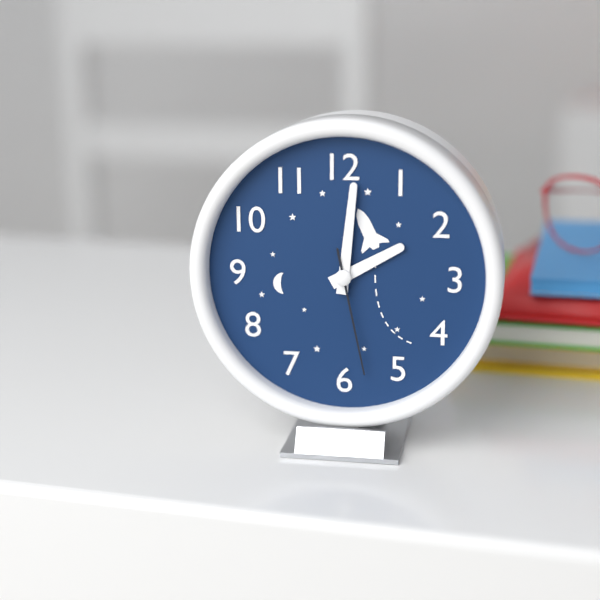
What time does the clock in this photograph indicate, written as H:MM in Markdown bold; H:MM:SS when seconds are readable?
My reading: **2:01:28**
